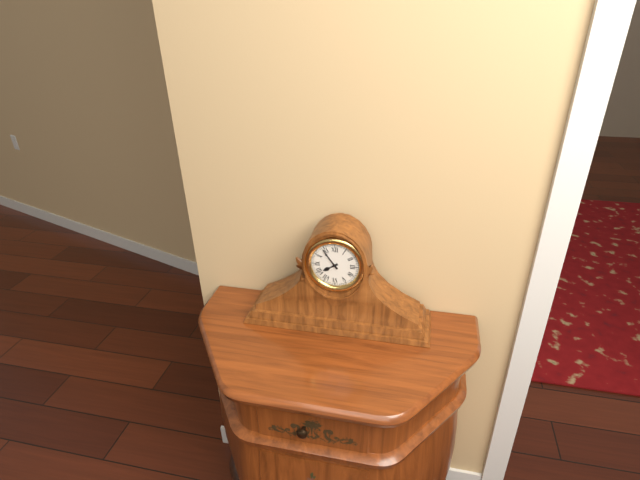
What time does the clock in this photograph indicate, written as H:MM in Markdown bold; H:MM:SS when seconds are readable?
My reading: **7:54**
